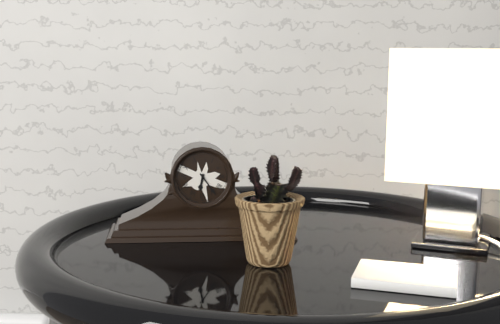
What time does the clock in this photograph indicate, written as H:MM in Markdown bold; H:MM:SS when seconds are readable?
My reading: **6:24**
